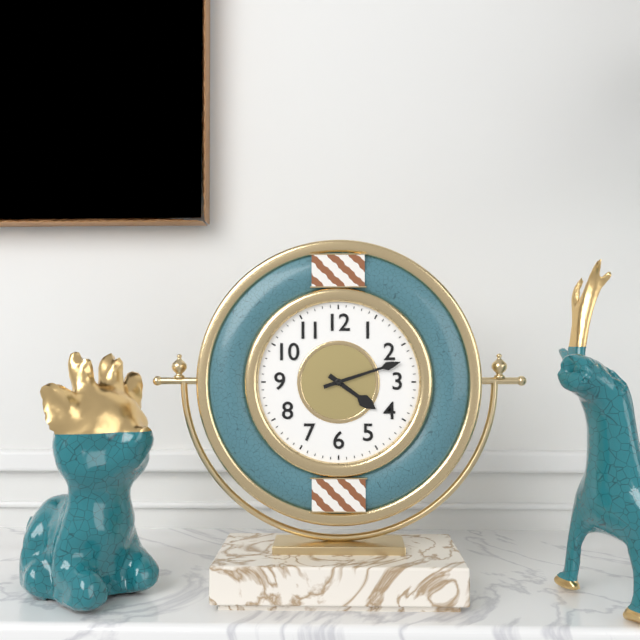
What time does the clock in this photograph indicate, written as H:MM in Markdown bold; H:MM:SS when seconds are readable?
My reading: **4:12**
